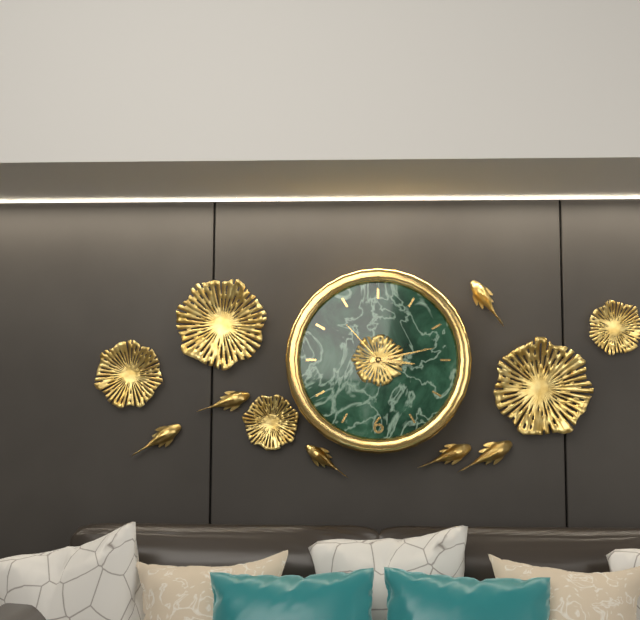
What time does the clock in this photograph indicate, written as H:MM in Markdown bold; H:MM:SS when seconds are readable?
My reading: **3:13:53**
